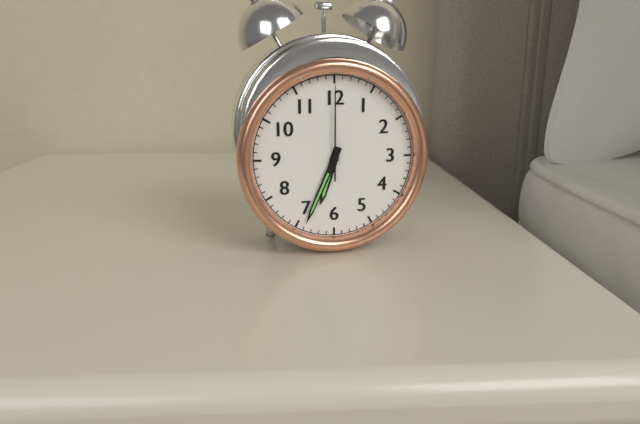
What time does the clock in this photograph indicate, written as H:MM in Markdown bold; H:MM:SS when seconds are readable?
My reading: **6:34:00**
